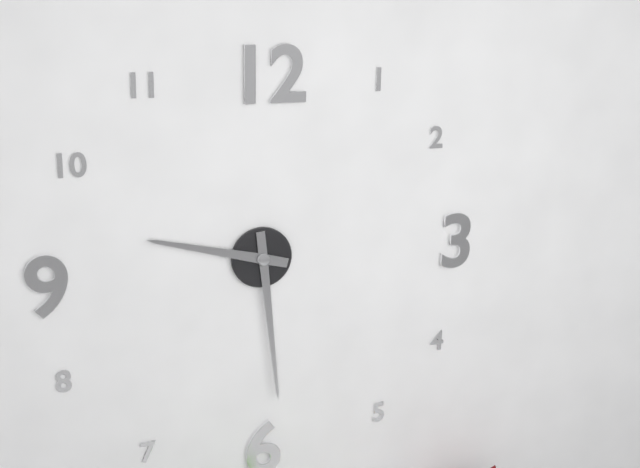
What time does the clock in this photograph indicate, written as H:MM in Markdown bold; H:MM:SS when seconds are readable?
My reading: **9:29**
